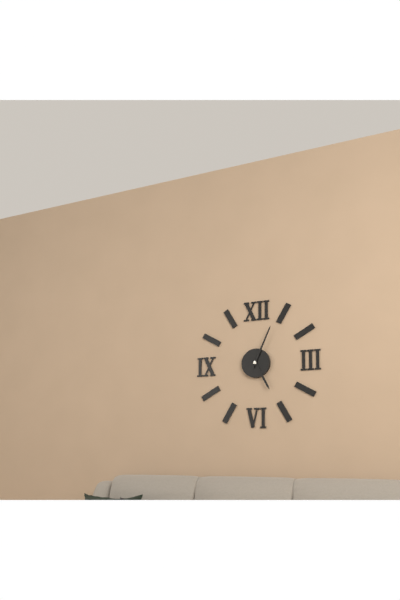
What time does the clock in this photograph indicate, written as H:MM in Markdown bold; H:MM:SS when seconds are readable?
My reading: **5:04**
